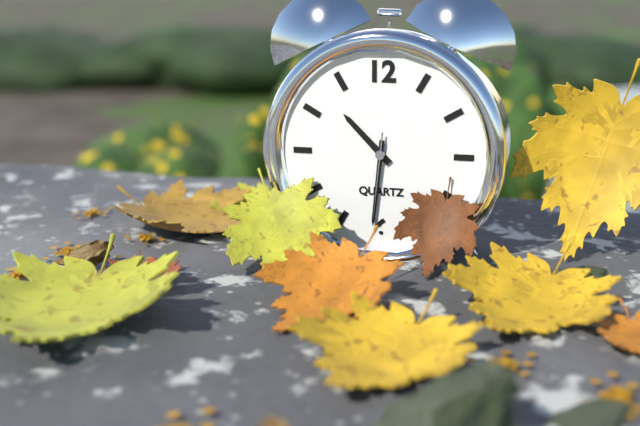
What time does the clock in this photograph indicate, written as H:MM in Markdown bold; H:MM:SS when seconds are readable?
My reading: **10:31:31**
